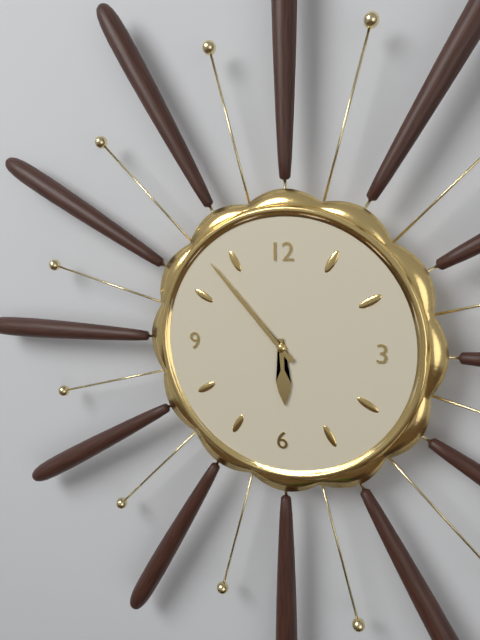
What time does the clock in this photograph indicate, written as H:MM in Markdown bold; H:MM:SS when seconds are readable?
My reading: **5:53**
